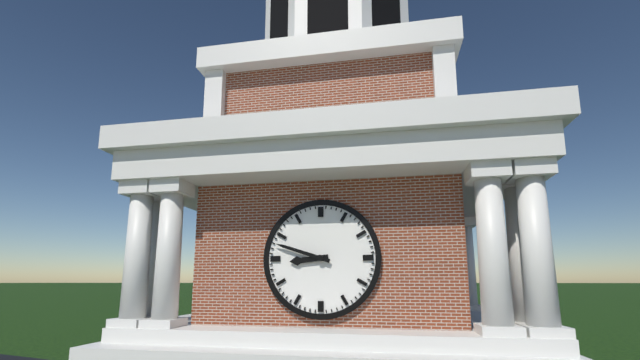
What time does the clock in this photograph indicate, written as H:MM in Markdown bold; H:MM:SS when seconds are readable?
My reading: **8:48**
